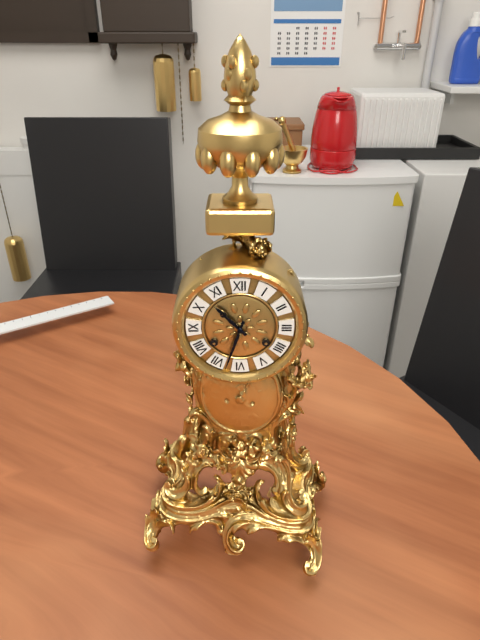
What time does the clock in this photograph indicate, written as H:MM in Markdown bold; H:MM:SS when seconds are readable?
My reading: **10:33**
